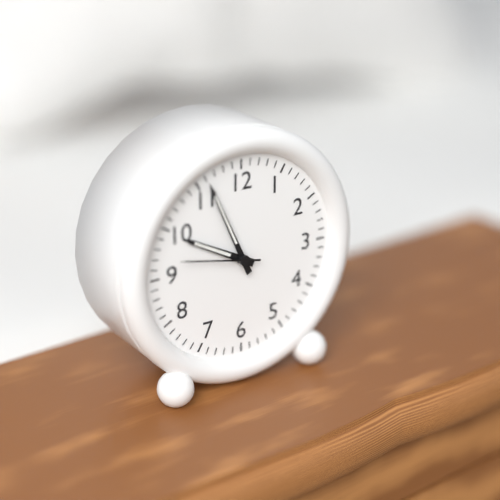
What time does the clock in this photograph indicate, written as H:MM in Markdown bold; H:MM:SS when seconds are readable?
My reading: **9:56:47**
